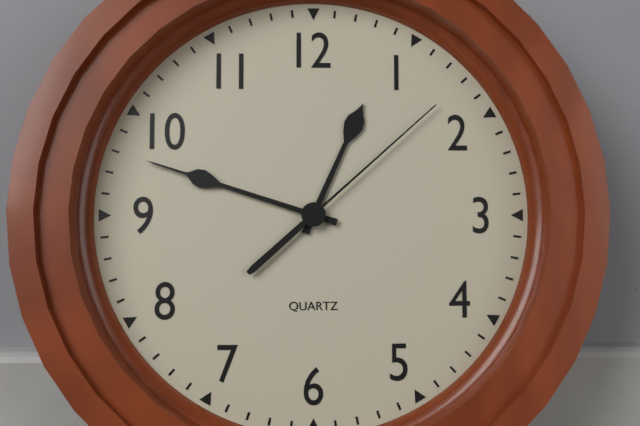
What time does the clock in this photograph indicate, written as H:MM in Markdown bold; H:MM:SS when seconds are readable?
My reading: **12:48:08**
